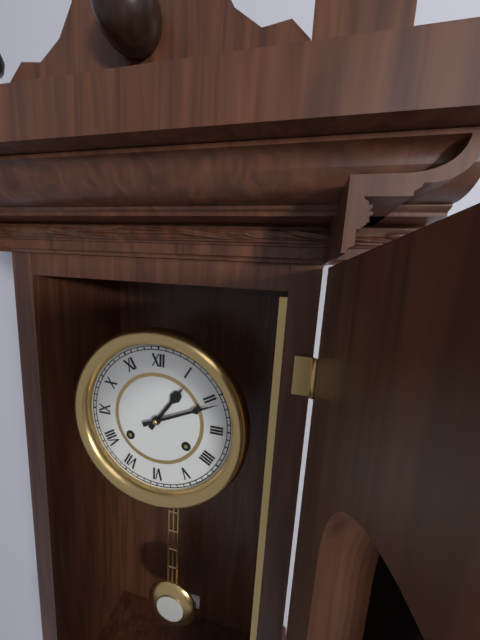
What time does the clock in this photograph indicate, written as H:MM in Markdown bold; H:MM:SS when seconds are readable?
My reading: **1:11**
